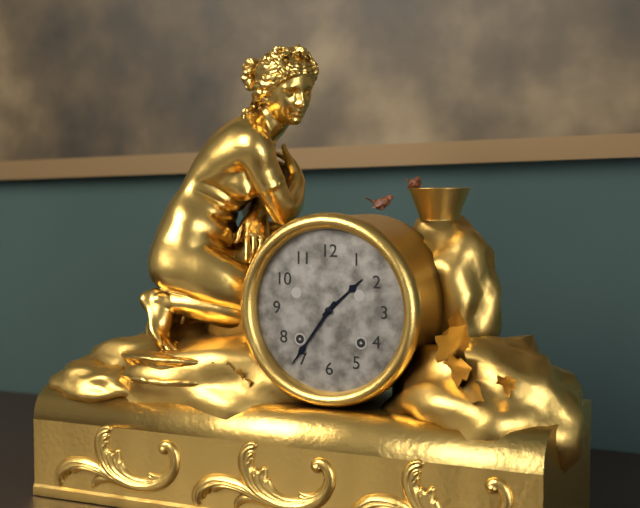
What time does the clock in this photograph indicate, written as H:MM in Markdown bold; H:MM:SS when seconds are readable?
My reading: **1:36**
